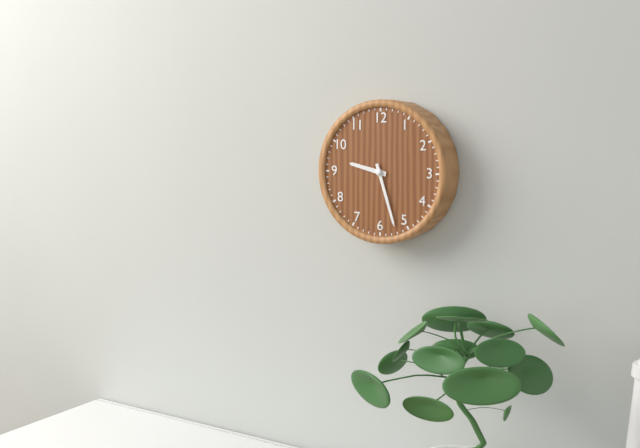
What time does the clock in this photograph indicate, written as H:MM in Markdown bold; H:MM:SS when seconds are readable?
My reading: **9:27**
